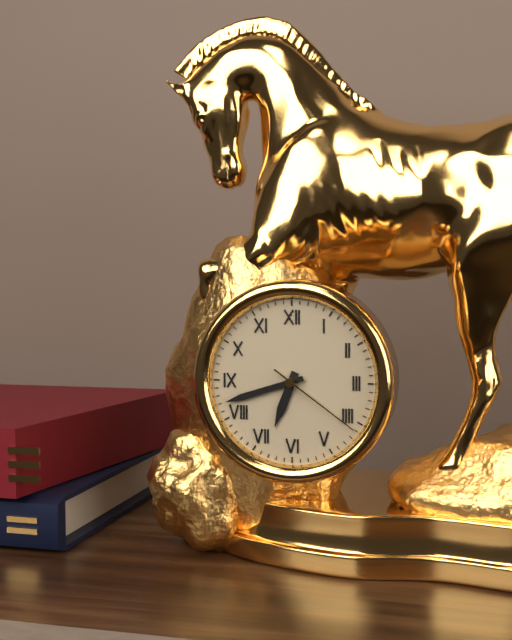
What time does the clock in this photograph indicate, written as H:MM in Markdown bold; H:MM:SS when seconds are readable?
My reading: **6:42:21**
